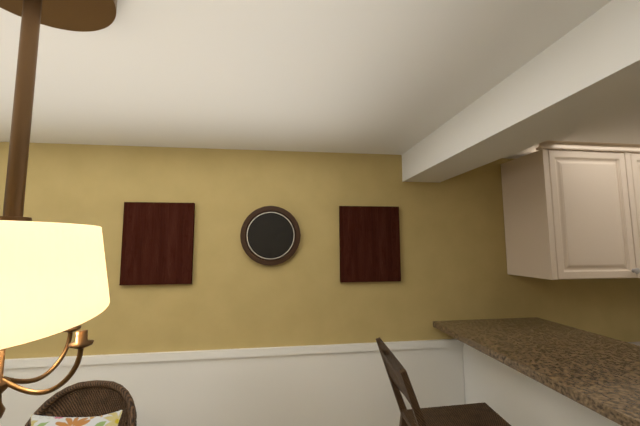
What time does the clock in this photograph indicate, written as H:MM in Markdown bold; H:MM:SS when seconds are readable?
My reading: **12:12**
